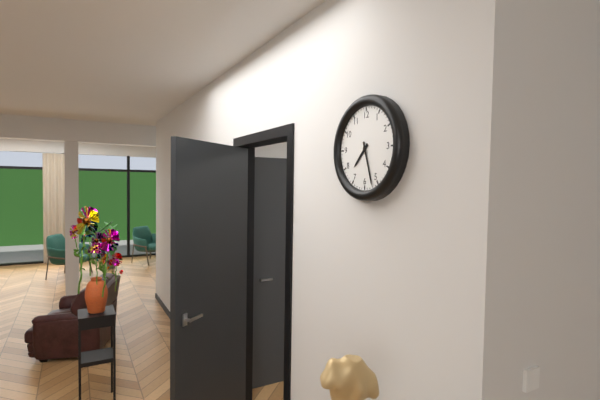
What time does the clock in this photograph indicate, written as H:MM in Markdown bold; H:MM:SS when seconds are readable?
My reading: **7:27**
